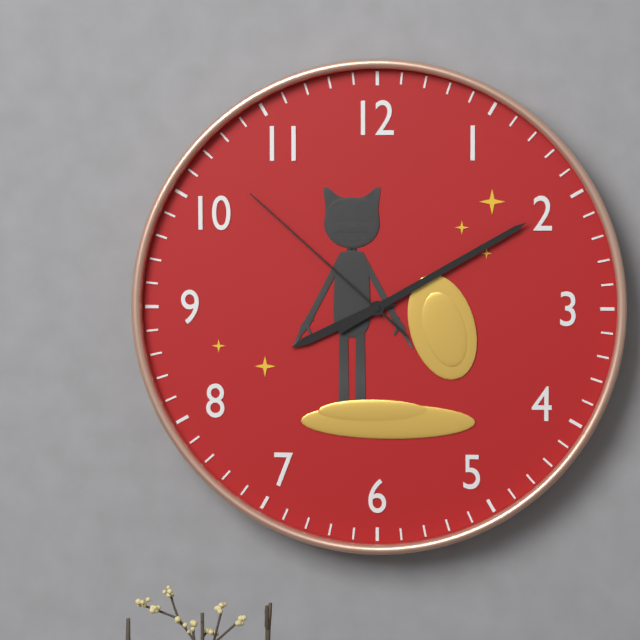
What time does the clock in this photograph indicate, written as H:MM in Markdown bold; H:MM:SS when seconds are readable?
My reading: **8:10:52**
